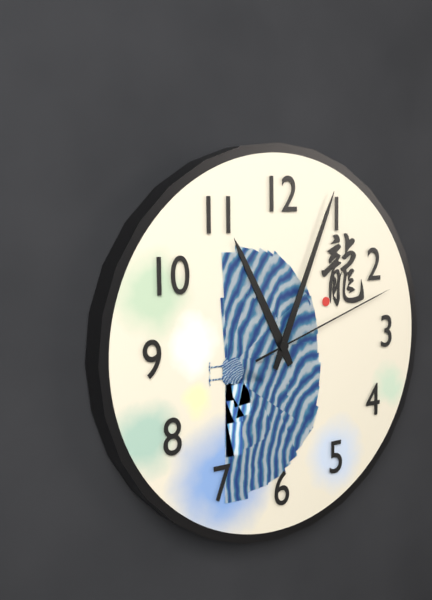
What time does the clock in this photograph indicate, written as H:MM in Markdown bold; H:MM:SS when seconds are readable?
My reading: **11:04:12**
